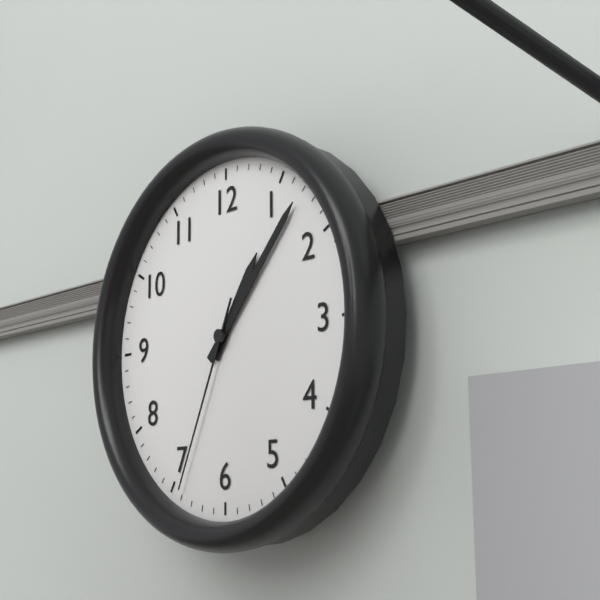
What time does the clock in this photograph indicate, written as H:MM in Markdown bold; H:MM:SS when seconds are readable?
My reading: **1:07:34**
